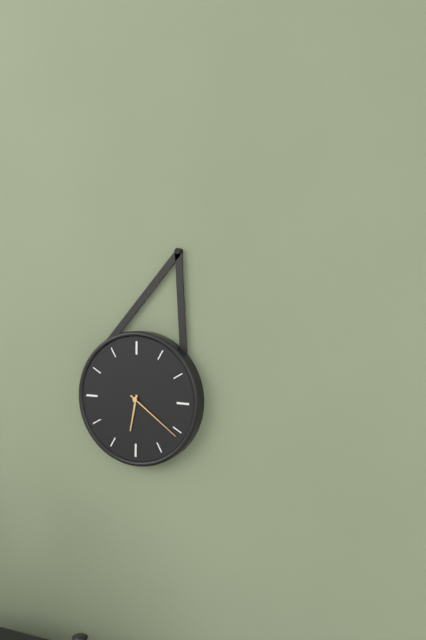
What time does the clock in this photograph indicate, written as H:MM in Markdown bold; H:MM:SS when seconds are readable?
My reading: **6:21**
